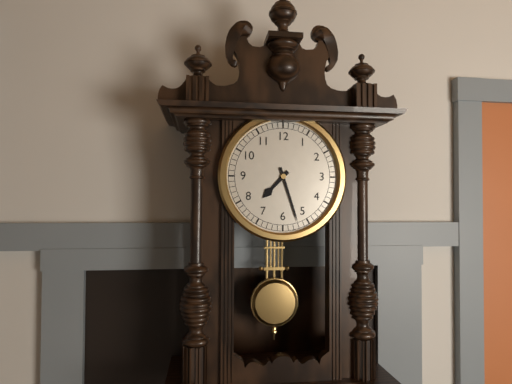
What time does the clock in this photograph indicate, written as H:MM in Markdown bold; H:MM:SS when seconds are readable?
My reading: **7:27**
